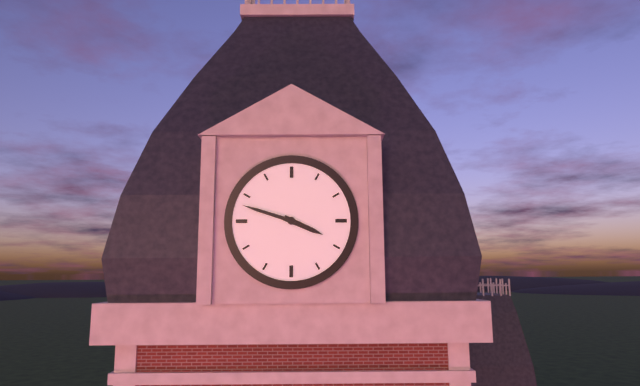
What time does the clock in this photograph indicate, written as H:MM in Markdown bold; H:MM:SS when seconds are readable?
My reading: **3:48**
